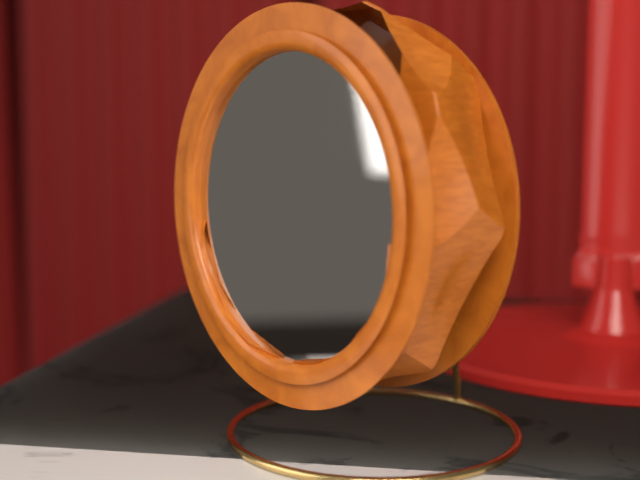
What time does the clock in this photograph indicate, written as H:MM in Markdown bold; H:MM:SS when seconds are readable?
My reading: **12:29:35**
